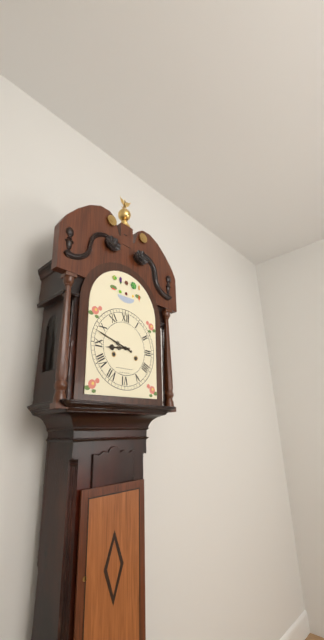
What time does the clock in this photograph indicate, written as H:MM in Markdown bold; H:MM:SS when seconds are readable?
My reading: **8:48**
